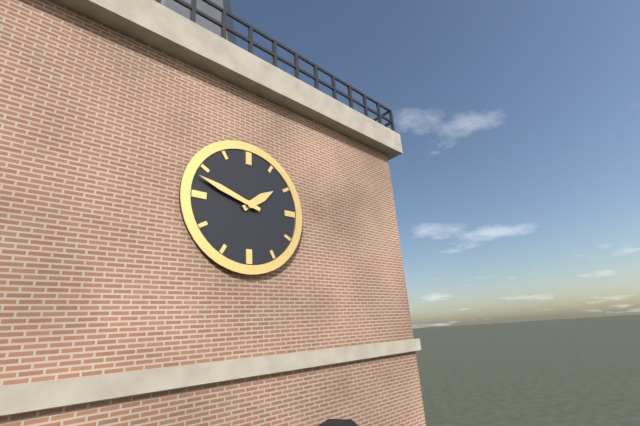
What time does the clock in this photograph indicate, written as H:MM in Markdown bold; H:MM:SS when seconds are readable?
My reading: **1:48**
